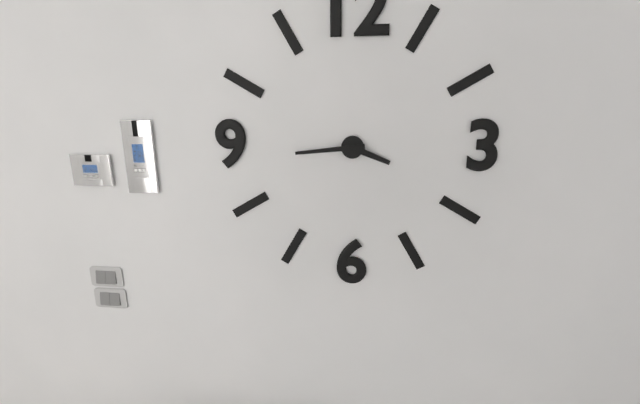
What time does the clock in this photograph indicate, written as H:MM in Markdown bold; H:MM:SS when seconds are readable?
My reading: **3:44**
